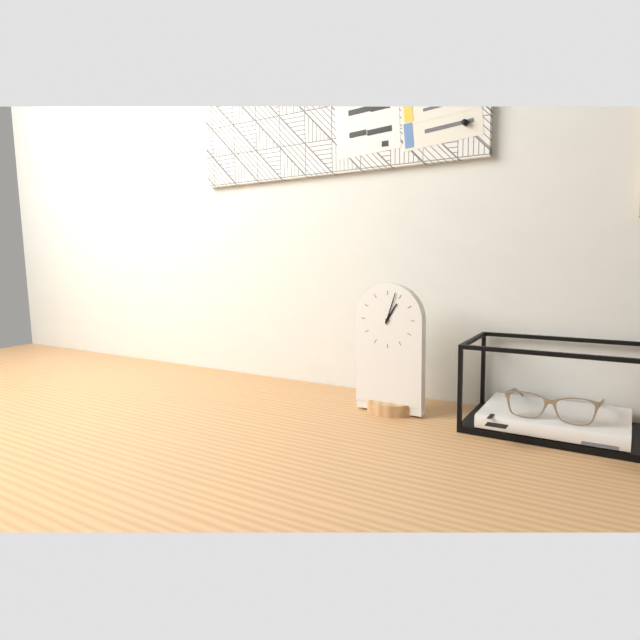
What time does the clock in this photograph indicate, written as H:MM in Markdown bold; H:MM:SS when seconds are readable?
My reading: **1:03**
